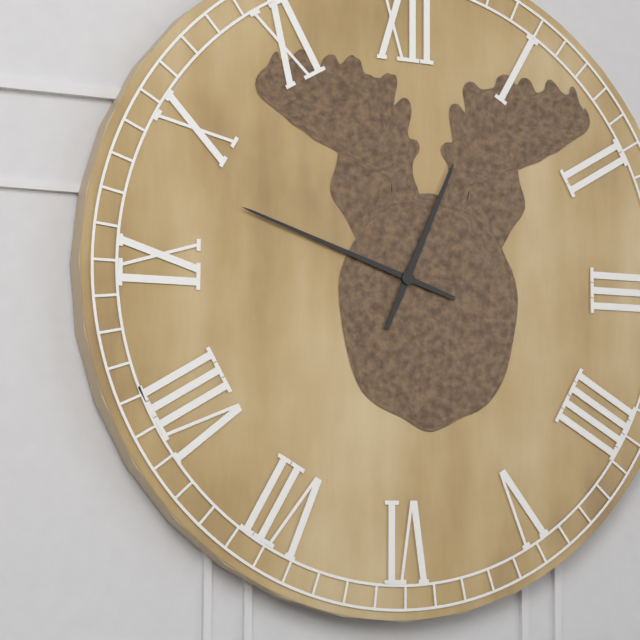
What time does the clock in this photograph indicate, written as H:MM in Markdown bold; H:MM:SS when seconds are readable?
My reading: **12:48**
